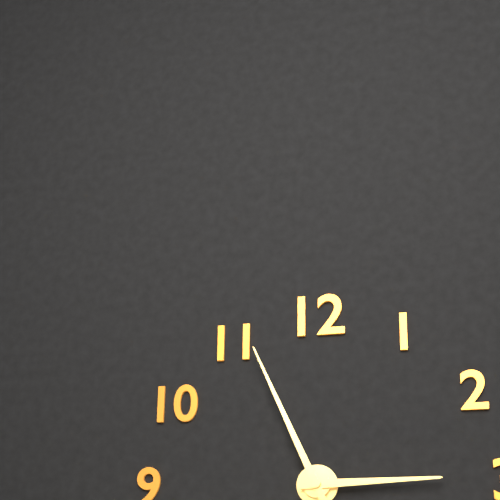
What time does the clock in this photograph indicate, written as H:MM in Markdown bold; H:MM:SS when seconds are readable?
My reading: **2:56**
